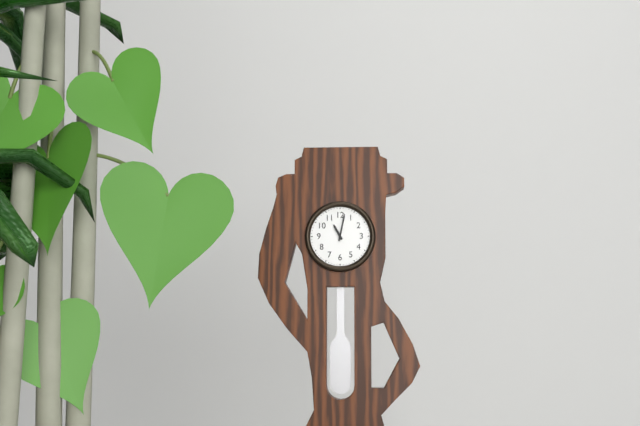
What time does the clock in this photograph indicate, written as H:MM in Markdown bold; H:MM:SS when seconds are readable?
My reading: **11:02**
